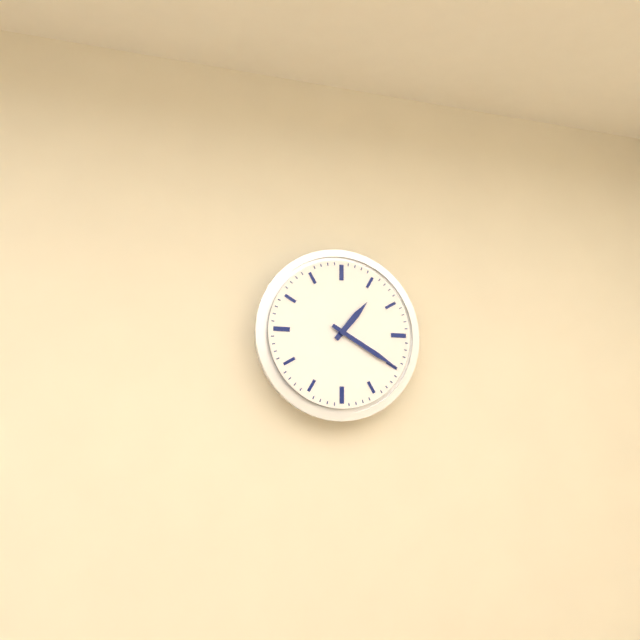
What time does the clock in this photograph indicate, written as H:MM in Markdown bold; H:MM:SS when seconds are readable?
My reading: **1:20**
